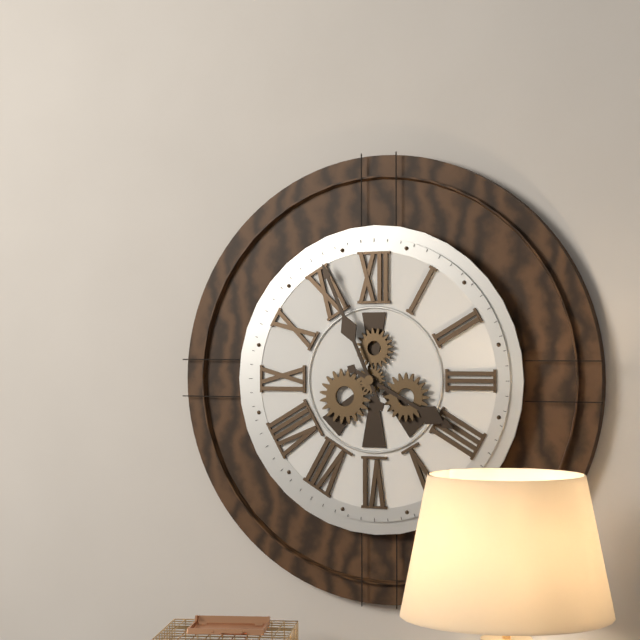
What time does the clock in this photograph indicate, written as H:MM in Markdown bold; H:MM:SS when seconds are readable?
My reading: **3:56**
